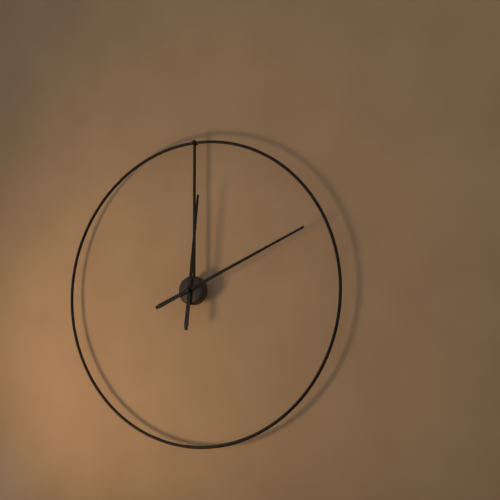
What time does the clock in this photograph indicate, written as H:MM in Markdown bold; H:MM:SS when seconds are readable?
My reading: **12:11**
